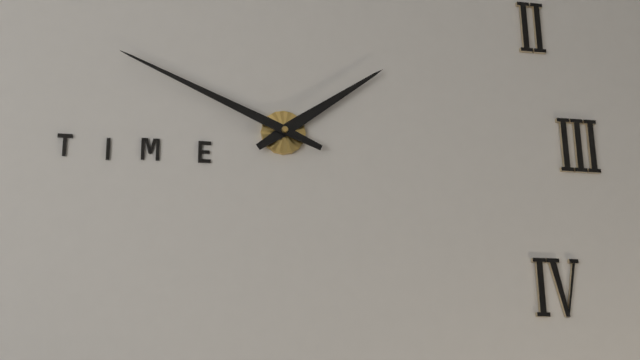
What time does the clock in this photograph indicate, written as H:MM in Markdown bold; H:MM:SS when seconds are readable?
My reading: **1:49**
